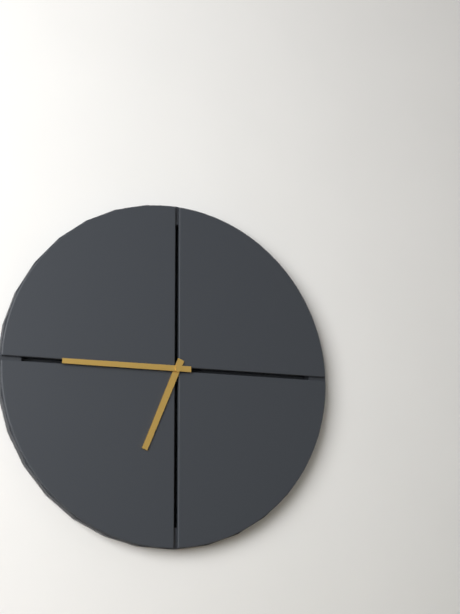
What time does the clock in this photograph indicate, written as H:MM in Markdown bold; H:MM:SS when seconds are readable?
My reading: **6:45**
